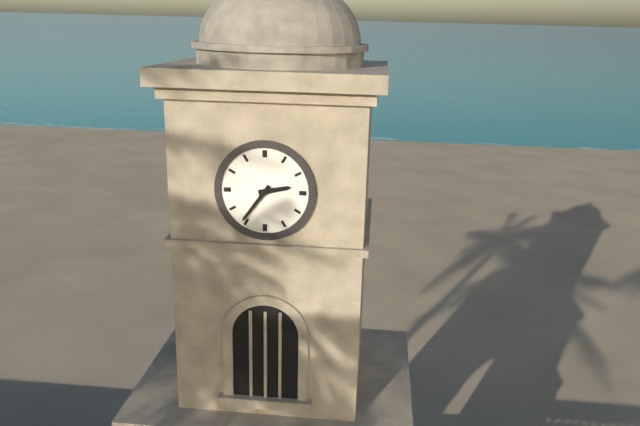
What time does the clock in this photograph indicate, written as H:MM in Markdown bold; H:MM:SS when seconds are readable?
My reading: **2:36**
